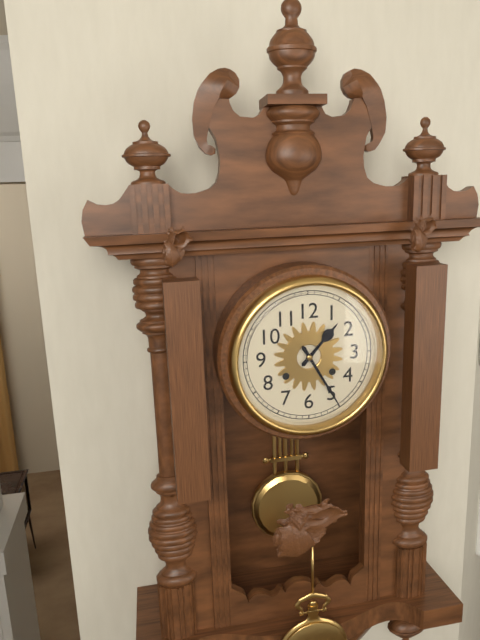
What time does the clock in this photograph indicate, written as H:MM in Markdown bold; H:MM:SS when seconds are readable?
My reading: **1:25**
